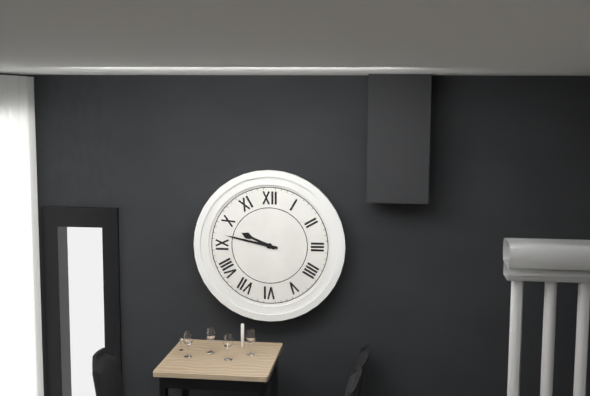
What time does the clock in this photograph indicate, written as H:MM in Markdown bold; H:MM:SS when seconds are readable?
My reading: **9:47**
